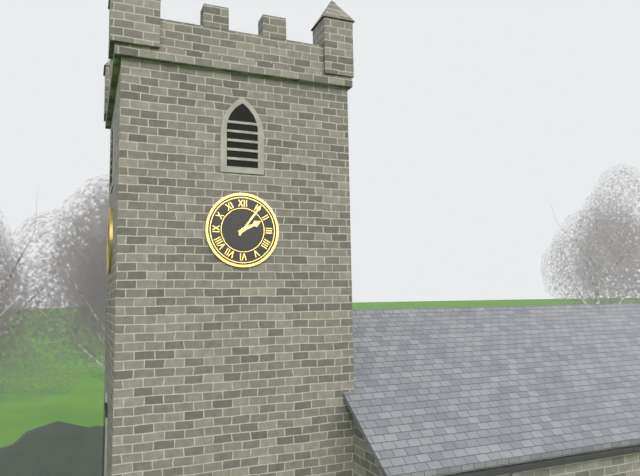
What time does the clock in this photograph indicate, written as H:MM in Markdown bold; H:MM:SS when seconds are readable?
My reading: **2:06**
